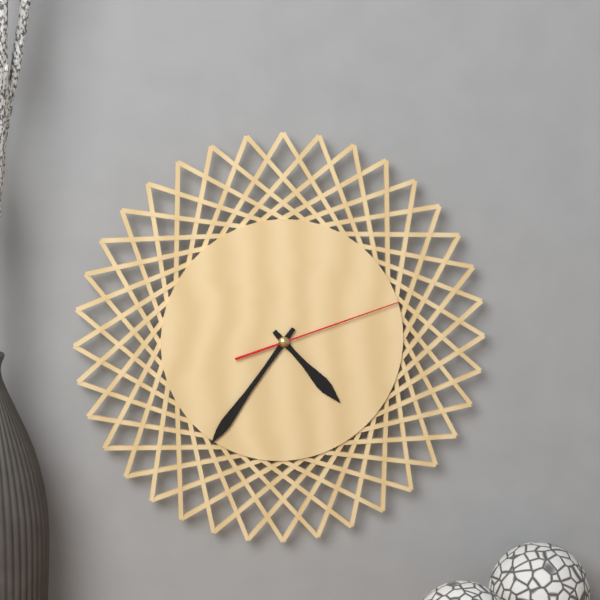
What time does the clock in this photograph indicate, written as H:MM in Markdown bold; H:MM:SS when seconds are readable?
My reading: **4:36:12**
